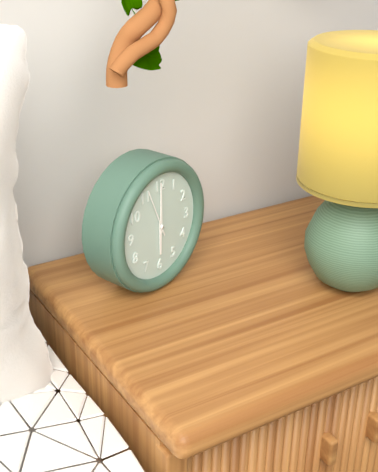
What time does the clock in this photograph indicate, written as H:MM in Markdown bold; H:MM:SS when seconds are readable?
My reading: **6:00**
